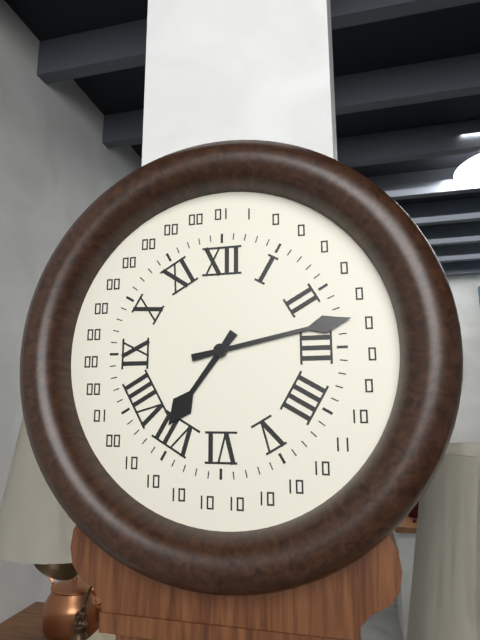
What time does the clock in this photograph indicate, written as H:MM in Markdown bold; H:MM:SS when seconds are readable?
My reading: **7:13**
